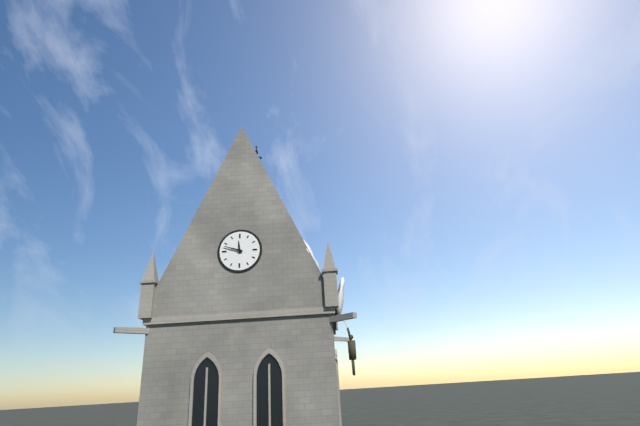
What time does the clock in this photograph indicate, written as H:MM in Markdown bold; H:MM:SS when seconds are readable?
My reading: **11:48**
